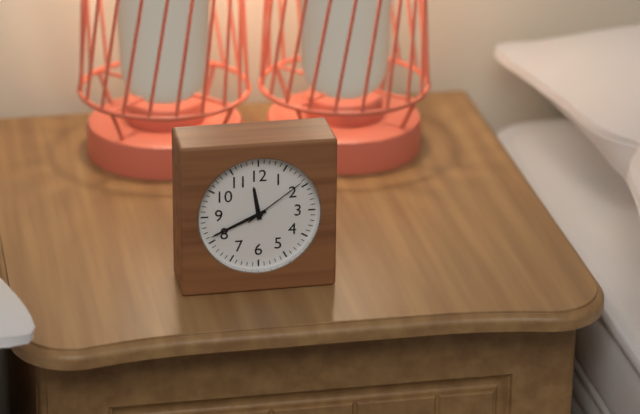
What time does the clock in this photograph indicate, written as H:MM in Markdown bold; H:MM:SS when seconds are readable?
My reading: **11:41:09**
